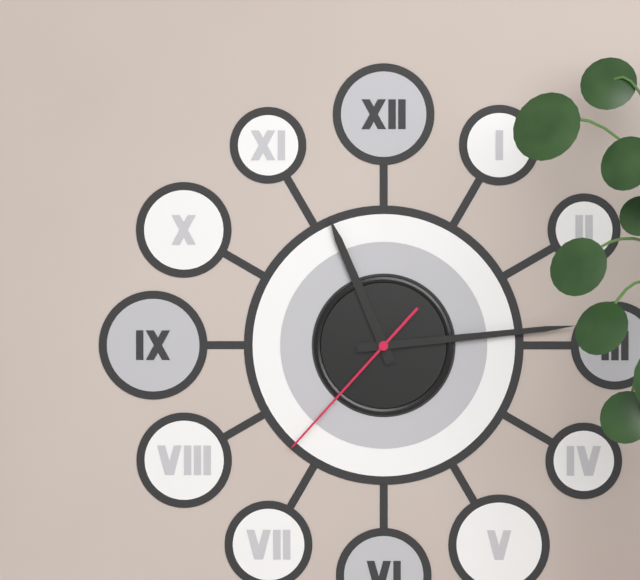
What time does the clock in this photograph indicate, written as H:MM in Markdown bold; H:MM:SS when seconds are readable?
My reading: **11:14:37**
